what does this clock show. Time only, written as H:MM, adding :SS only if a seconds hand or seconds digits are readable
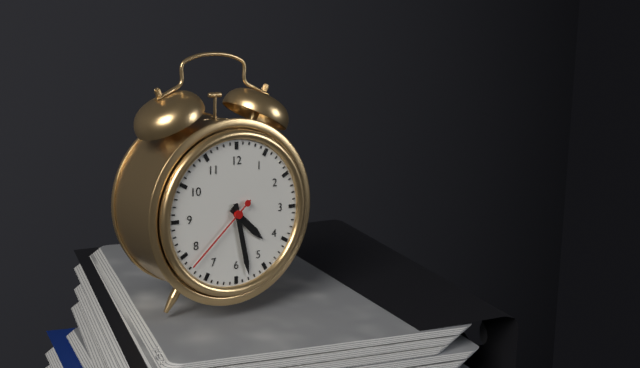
4:28:38
